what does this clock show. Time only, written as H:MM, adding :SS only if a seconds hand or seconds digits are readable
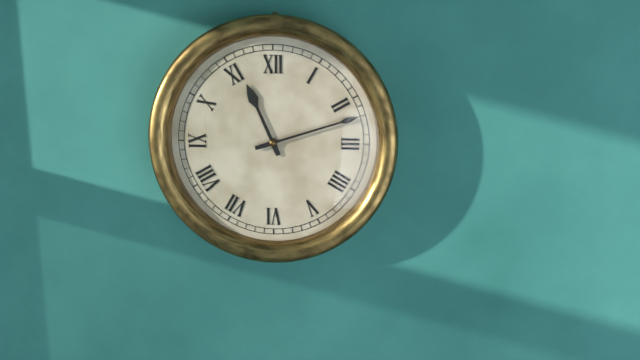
11:12
